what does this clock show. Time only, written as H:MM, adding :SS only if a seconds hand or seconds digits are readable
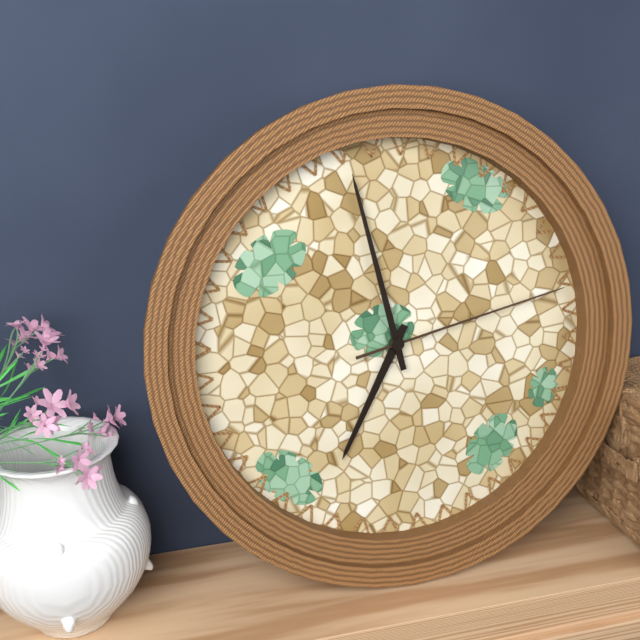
6:58:13
